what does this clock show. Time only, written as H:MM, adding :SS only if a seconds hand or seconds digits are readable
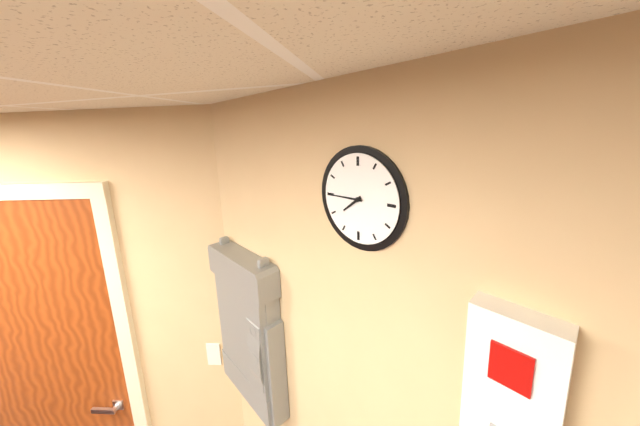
7:45
